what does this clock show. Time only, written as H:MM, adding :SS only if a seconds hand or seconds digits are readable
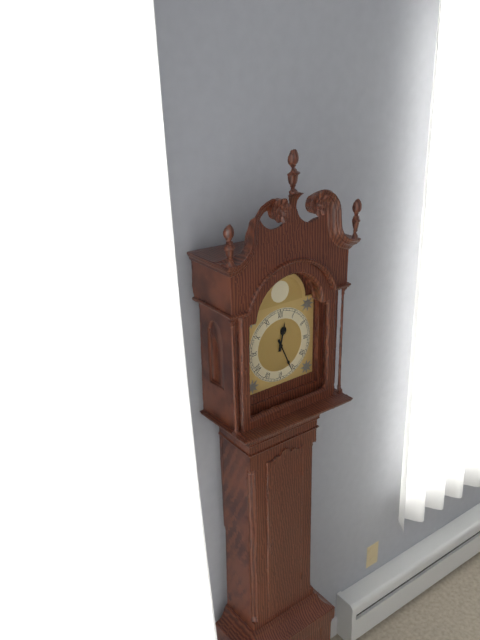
12:26
